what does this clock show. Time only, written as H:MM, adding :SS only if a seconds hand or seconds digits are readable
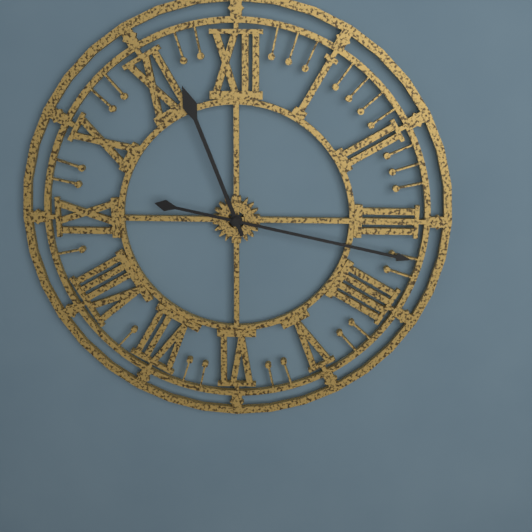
11:17
